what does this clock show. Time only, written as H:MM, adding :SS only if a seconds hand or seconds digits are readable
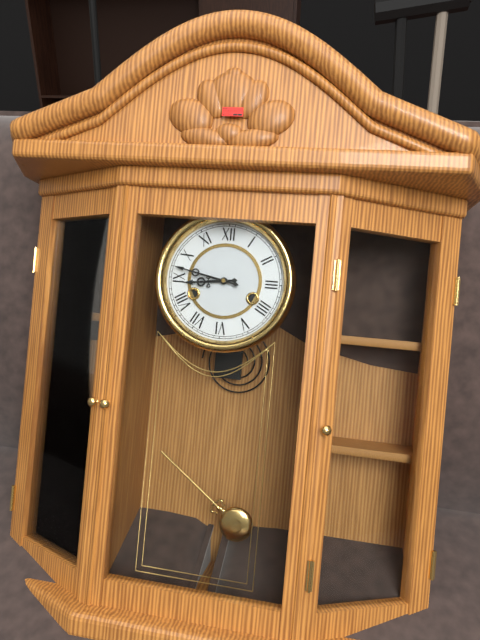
8:47
